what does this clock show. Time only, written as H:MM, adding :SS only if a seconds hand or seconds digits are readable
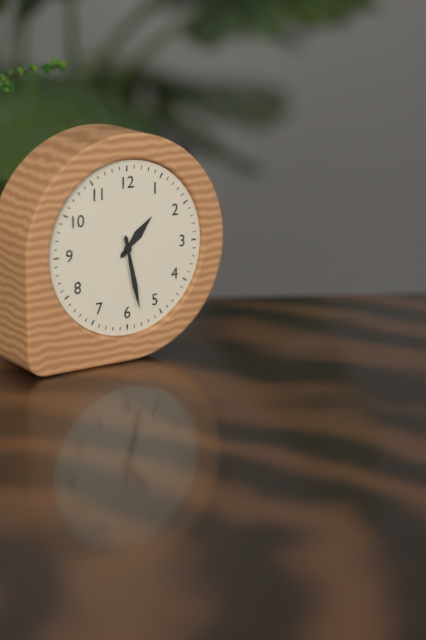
1:28
